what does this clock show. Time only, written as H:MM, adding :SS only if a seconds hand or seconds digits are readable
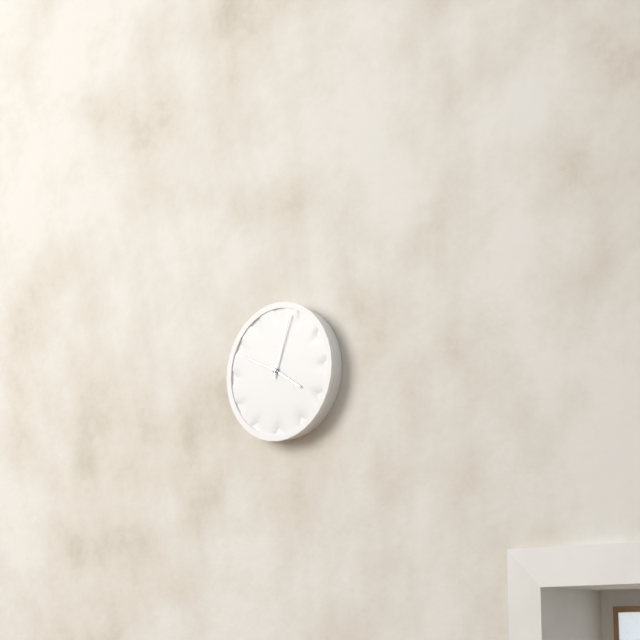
4:03:49
